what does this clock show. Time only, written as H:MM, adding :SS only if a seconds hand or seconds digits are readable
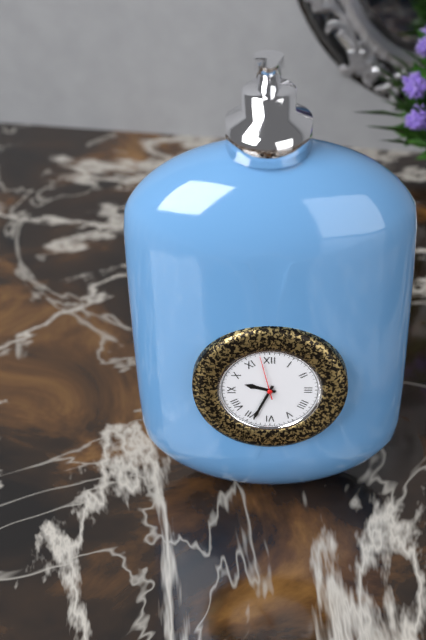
9:34
